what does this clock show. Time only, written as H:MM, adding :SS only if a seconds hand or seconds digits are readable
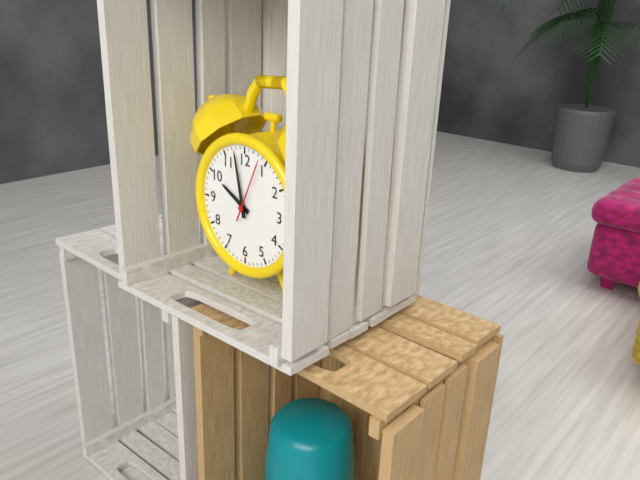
9:58:04
